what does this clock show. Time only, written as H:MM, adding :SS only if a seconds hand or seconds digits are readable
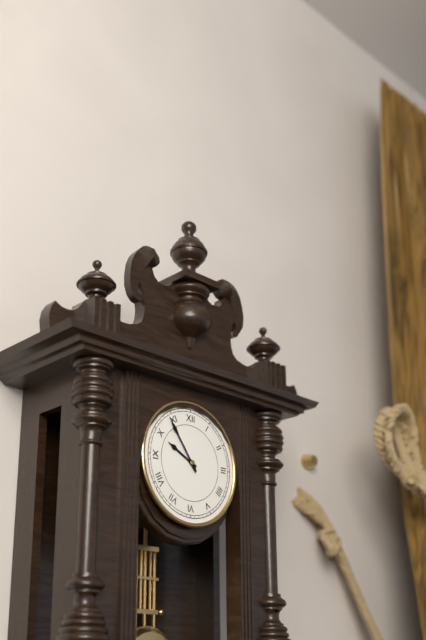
9:54
